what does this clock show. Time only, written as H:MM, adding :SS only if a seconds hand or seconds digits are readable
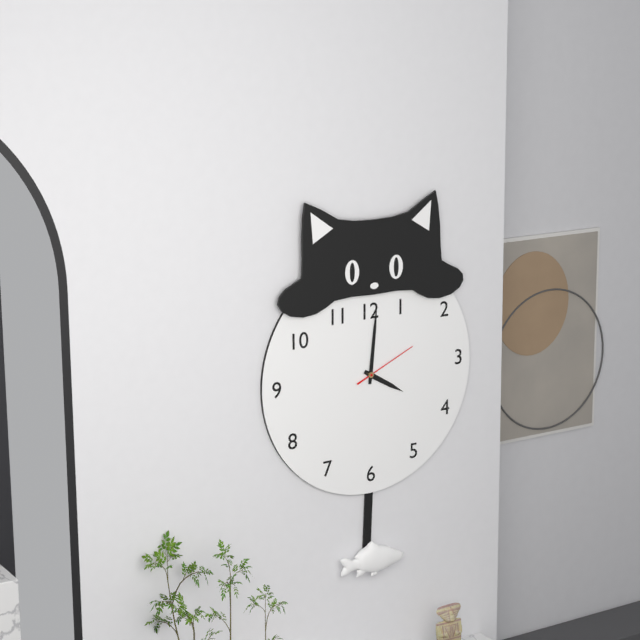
4:01:11
